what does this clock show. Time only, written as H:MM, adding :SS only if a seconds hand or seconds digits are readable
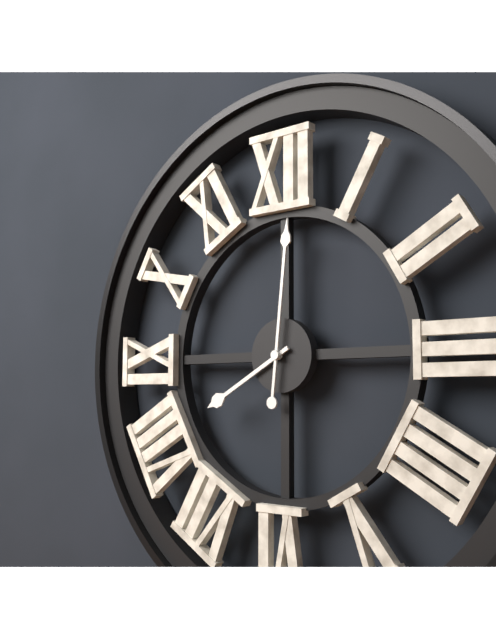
8:01
